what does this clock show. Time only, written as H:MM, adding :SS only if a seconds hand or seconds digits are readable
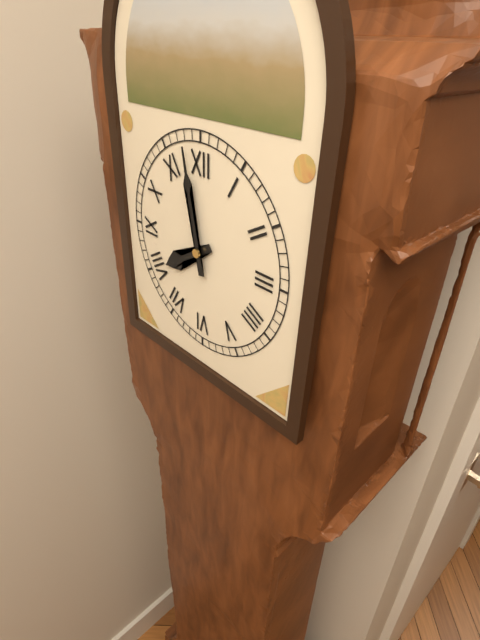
7:58
